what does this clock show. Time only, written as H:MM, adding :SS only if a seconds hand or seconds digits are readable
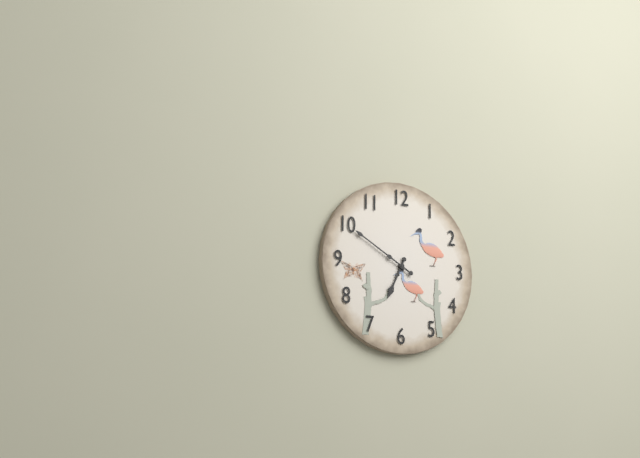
6:50
